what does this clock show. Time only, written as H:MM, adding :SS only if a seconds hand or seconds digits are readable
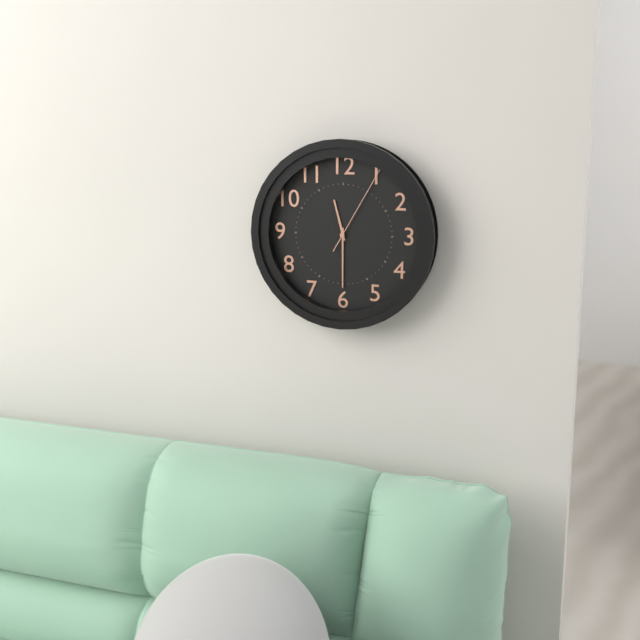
11:30:05
